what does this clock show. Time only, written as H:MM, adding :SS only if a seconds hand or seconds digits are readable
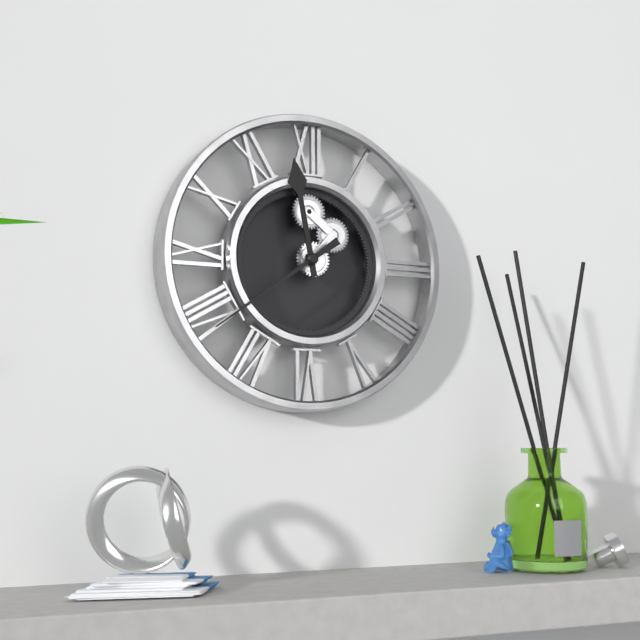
11:39
